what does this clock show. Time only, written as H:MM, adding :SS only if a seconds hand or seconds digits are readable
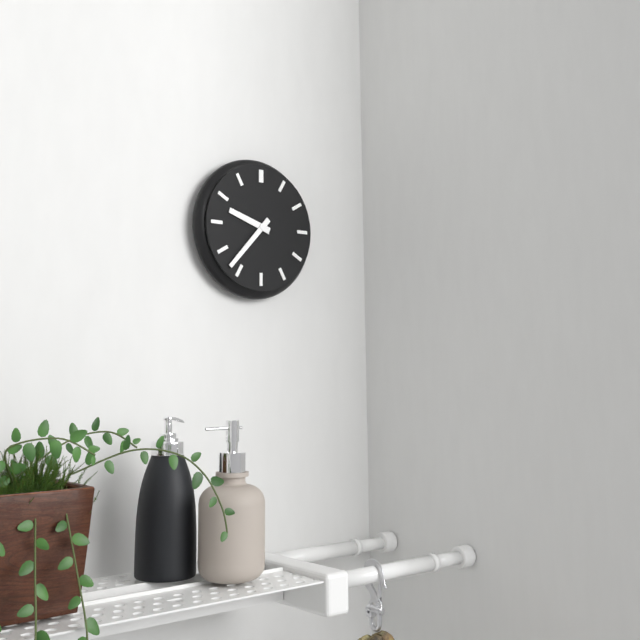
9:37
